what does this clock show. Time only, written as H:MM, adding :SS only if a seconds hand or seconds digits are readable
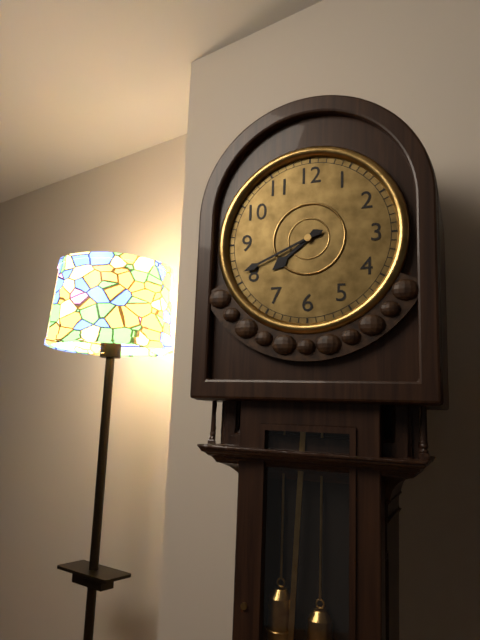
7:41
